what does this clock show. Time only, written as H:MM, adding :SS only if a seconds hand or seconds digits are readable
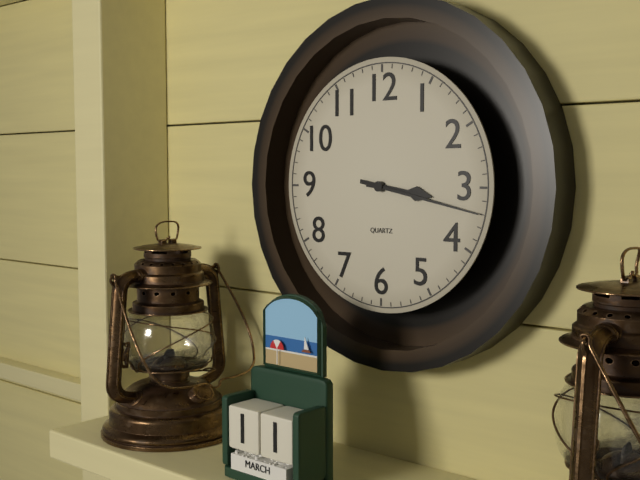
3:17
